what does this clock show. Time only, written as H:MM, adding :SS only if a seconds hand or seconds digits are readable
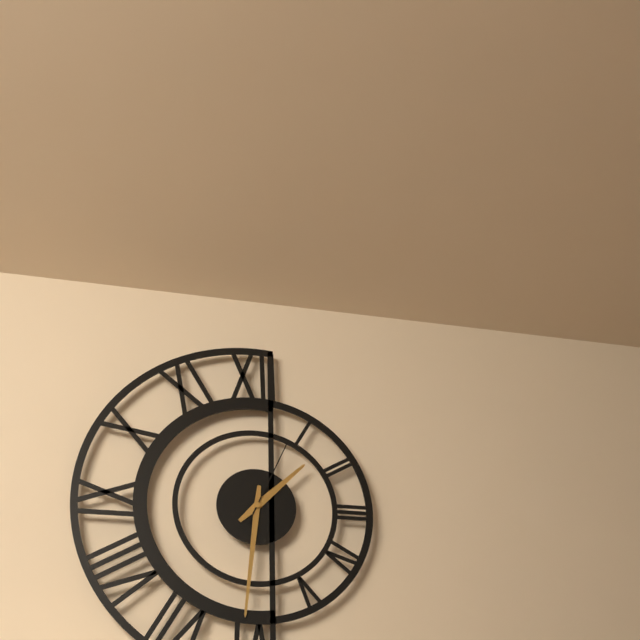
1:31:04
